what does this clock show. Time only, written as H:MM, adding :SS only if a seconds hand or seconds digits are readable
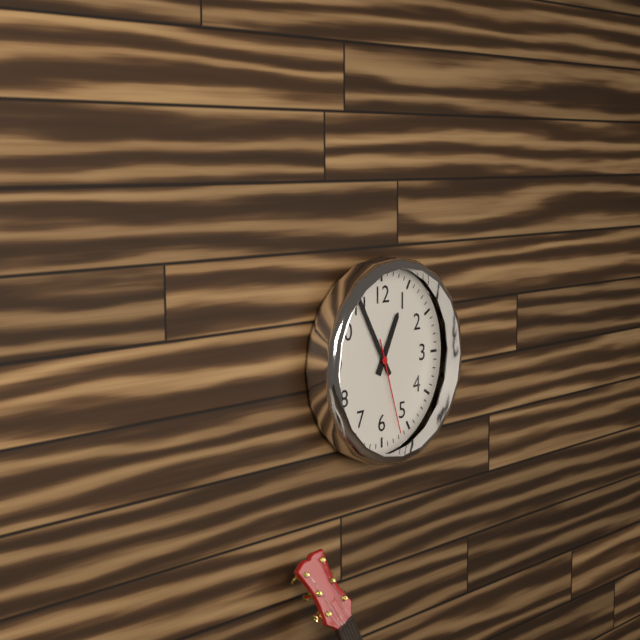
12:55:27
